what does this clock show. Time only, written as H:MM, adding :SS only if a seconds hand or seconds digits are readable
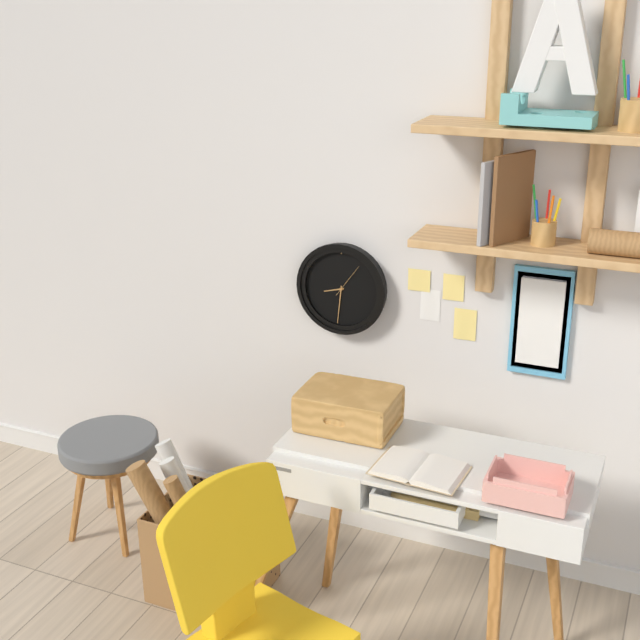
8:31
